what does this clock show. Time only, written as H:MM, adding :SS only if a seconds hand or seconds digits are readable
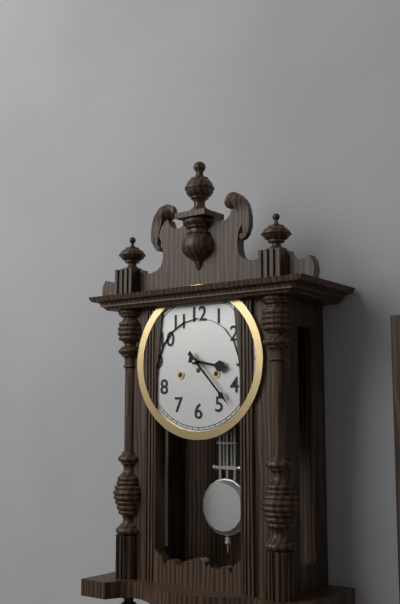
3:23
